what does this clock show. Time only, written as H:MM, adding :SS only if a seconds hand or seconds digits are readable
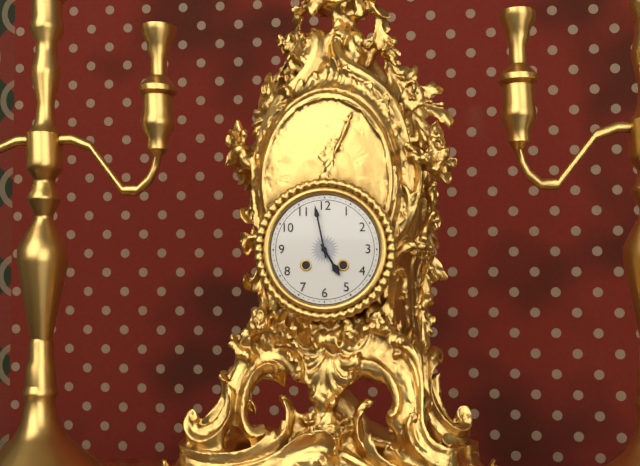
4:58
